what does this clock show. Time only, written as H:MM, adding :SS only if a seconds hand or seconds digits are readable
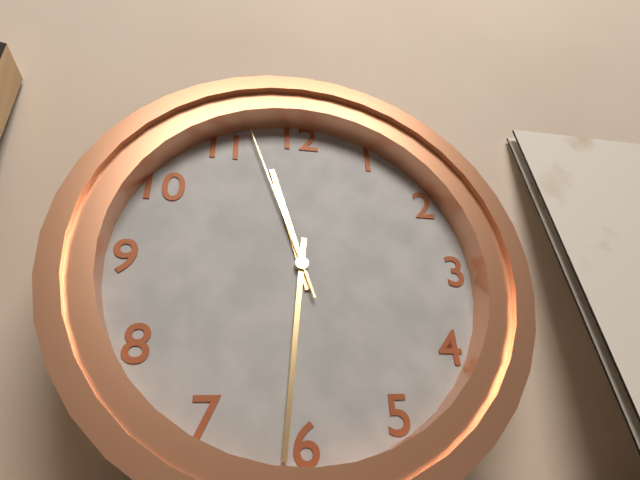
11:31:57
